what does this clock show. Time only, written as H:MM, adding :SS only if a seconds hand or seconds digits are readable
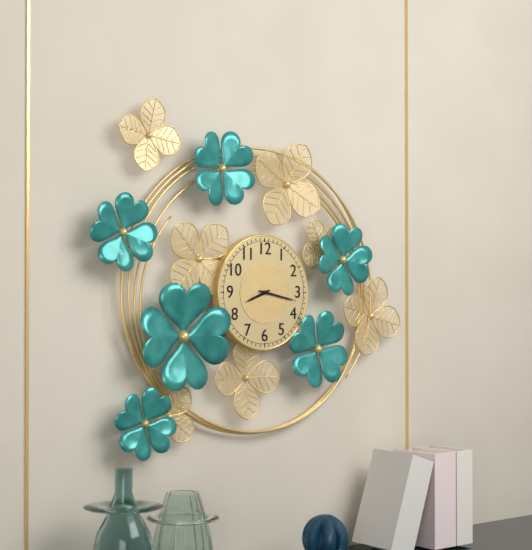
8:17
